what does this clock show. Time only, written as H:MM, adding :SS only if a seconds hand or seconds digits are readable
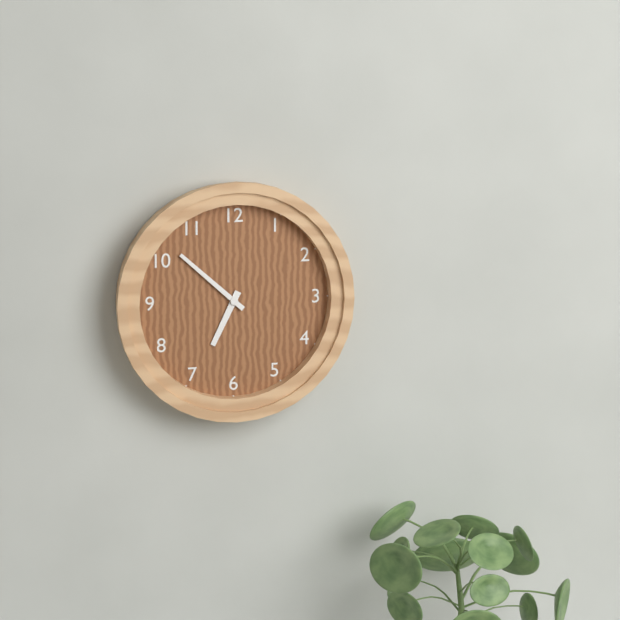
6:52
